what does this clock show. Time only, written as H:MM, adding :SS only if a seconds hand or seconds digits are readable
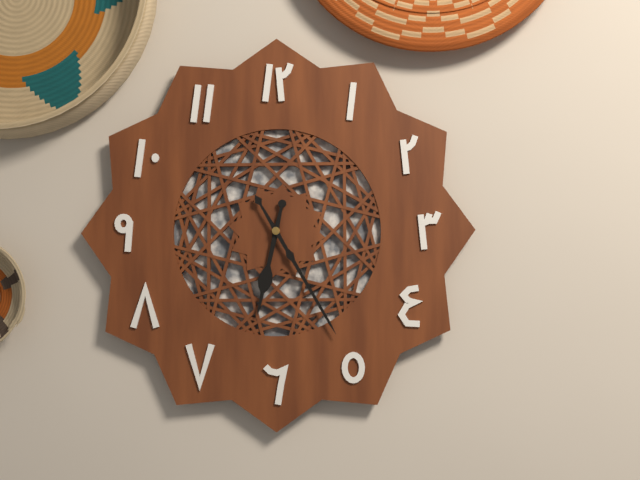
6:25
